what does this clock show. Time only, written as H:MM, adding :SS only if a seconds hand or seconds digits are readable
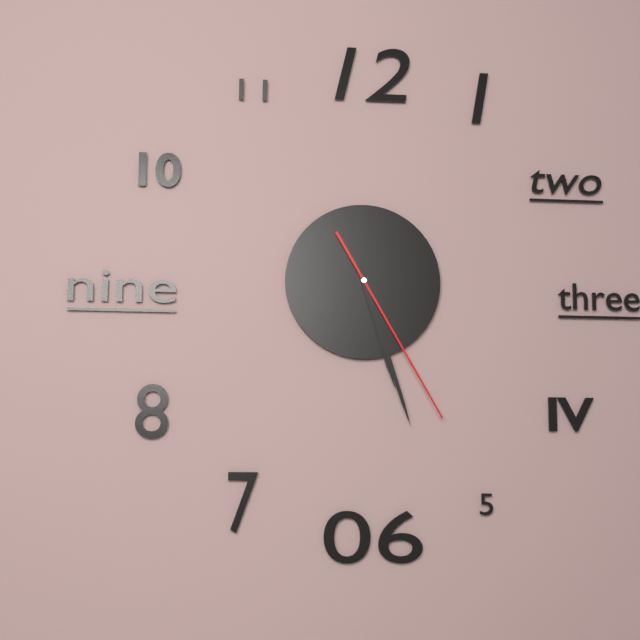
5:27:25
